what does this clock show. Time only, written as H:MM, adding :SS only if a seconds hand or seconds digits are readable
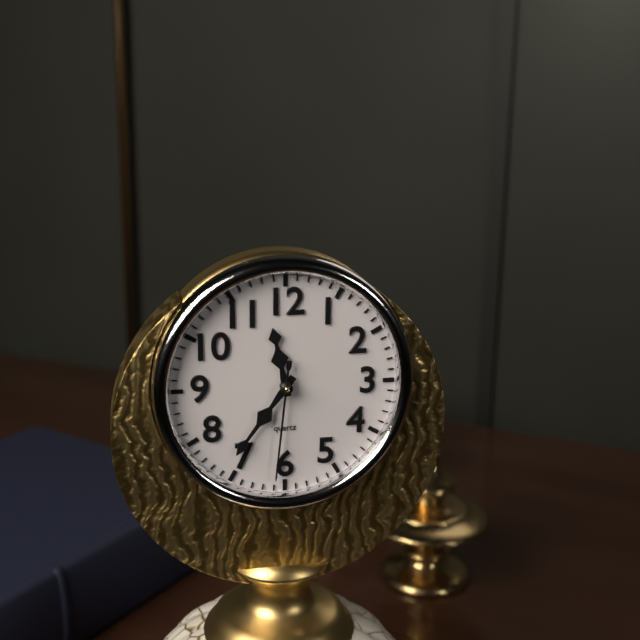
11:36:31
